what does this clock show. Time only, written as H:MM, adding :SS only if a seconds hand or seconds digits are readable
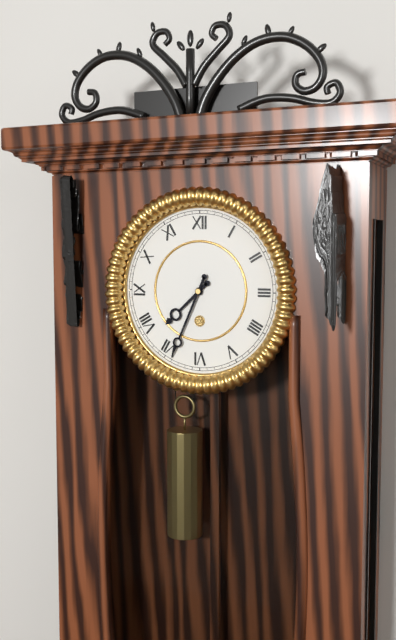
7:34
